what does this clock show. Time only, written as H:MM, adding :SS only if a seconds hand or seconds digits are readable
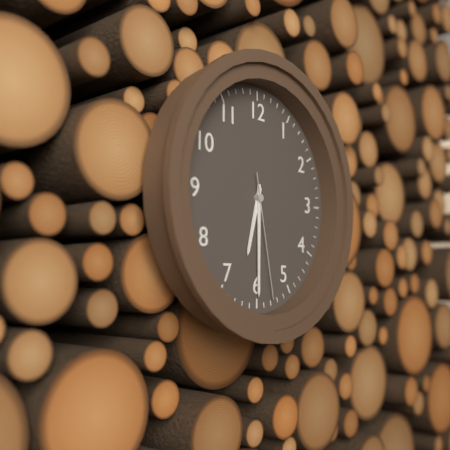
6:30:28
